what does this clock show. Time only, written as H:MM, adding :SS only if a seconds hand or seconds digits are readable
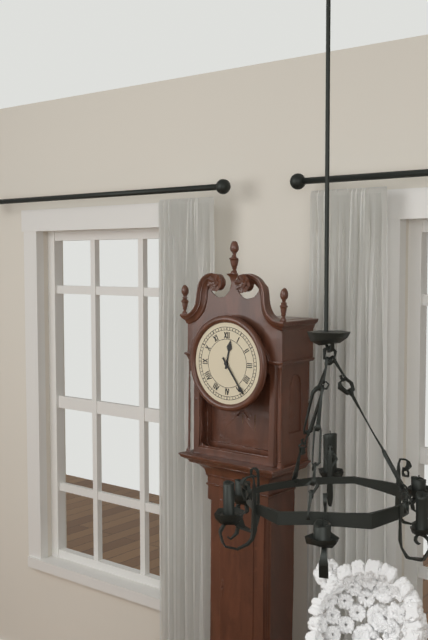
12:24
